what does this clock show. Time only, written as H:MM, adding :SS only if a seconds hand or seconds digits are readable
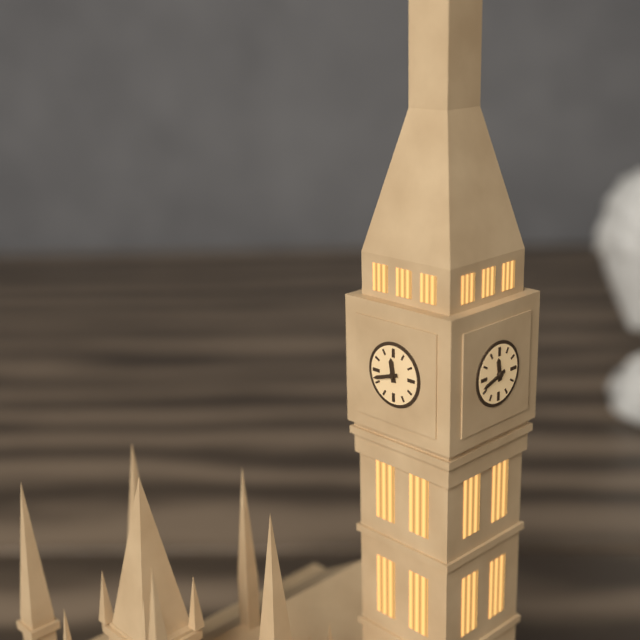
11:42
